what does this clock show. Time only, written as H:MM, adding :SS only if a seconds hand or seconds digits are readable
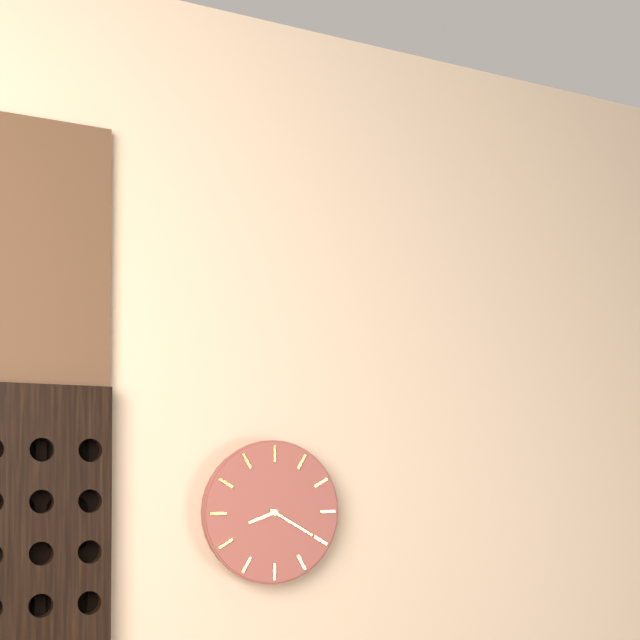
8:20
